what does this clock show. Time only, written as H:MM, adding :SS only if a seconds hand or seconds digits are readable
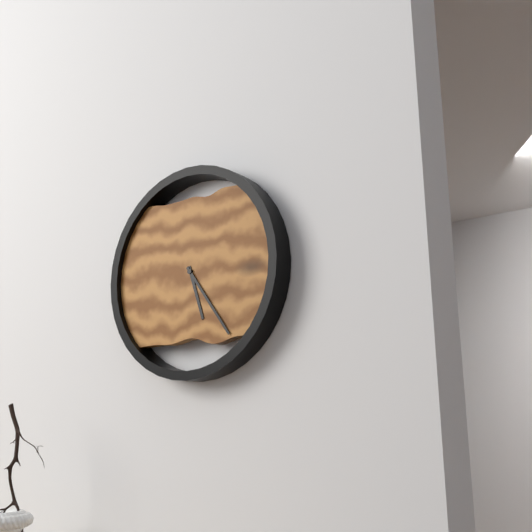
5:24
